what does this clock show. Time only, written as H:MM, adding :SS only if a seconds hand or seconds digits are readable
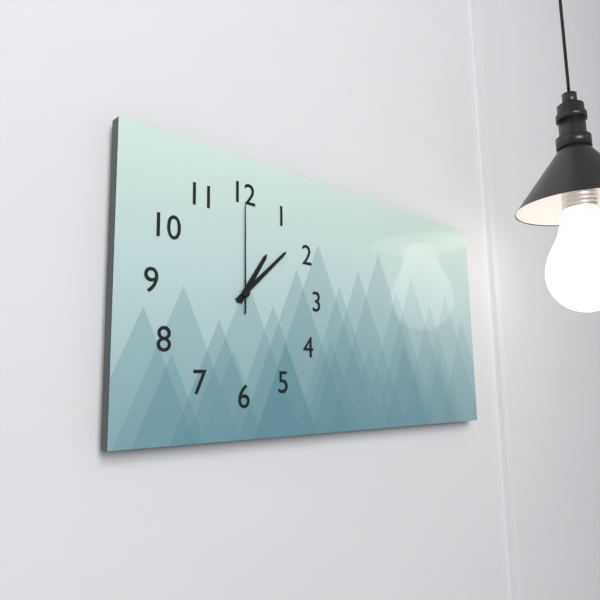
1:08:00
